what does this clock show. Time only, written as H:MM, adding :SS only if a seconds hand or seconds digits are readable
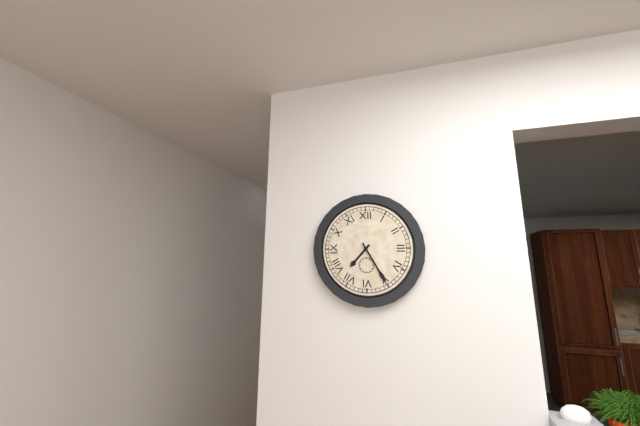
7:25
